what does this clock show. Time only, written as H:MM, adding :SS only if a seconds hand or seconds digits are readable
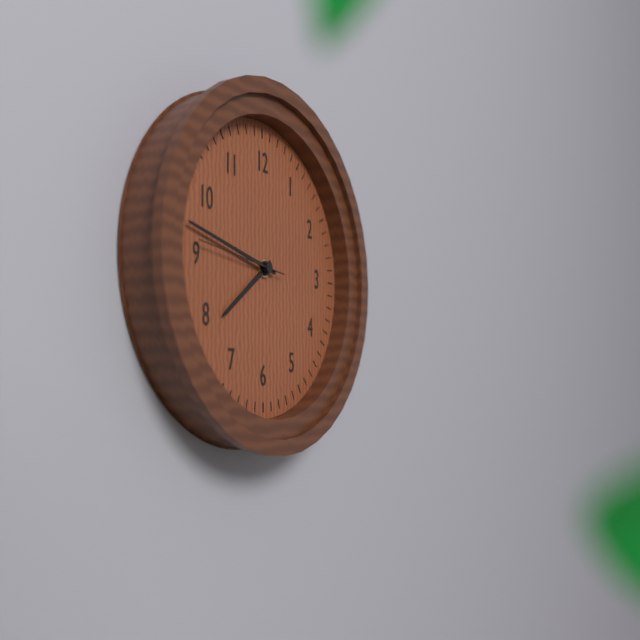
7:47:46
